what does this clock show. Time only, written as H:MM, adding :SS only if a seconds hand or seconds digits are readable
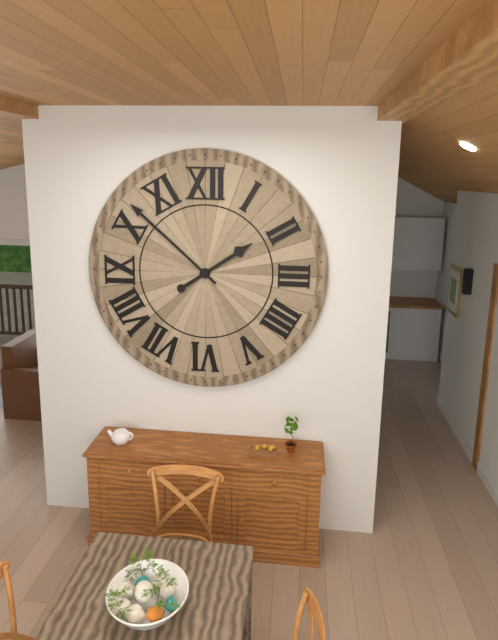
1:52
